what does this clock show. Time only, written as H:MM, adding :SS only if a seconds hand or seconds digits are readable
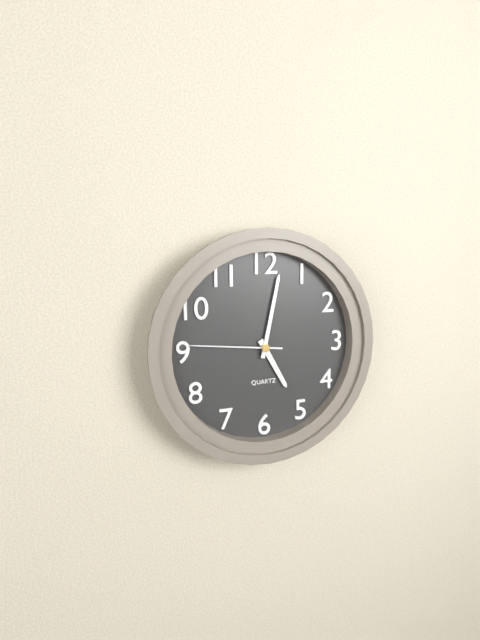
5:02:46
